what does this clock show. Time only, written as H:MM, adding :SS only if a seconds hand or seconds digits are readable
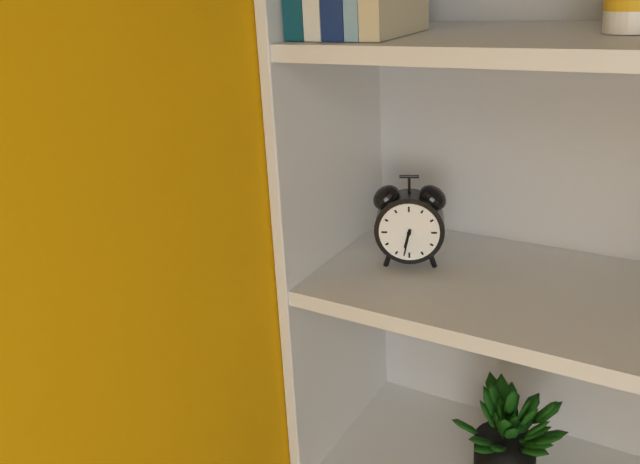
6:32
